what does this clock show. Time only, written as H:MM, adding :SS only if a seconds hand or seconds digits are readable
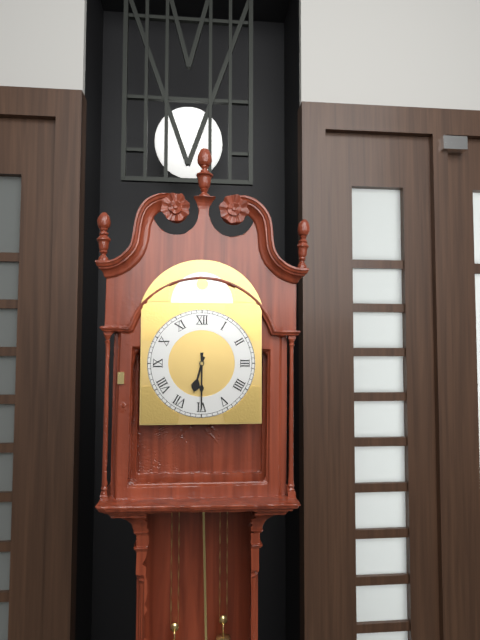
6:30
